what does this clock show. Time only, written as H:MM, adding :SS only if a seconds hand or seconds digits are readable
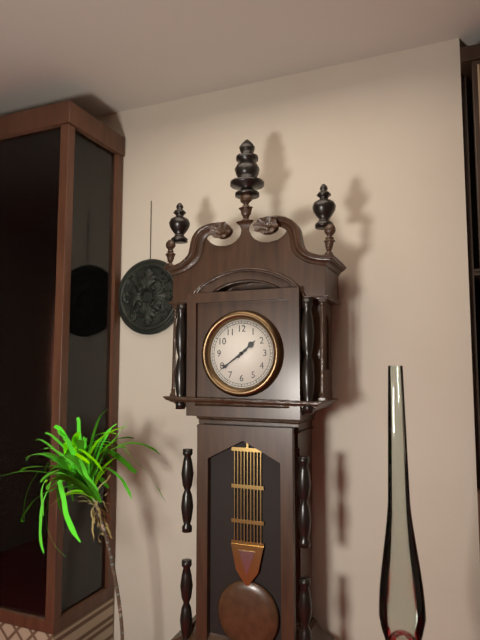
1:39
